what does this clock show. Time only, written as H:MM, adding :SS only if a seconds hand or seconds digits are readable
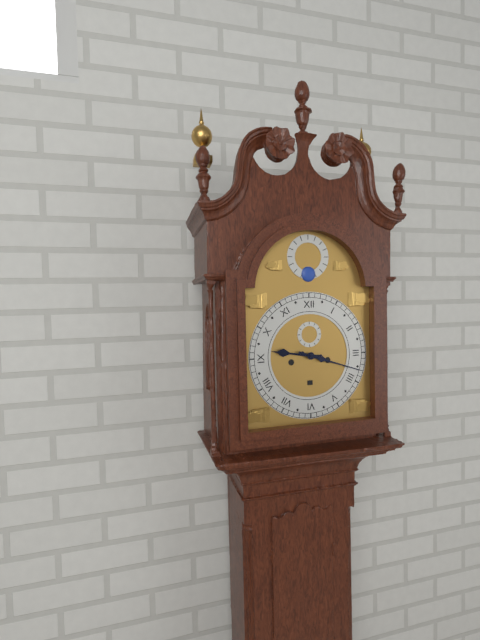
9:18
